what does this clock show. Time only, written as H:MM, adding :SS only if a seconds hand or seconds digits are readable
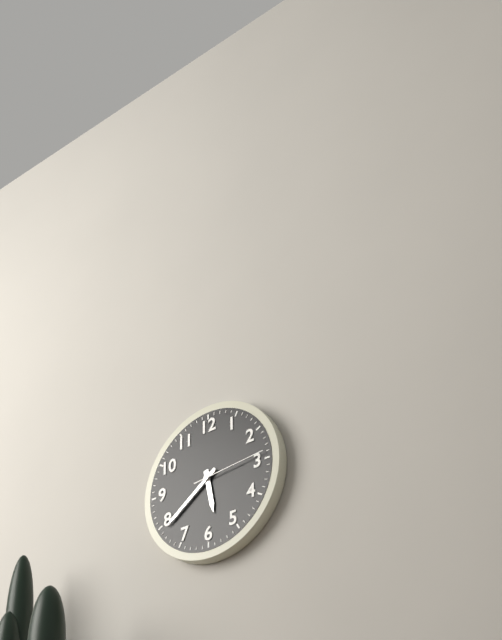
5:39:14
